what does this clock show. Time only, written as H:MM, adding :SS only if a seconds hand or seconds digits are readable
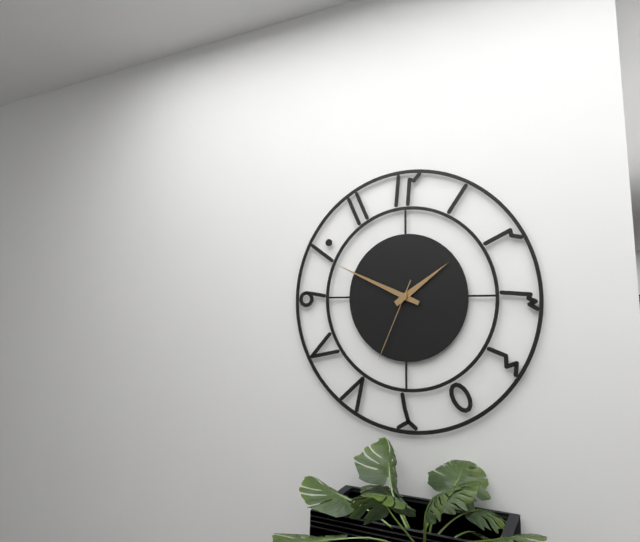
1:49:34
